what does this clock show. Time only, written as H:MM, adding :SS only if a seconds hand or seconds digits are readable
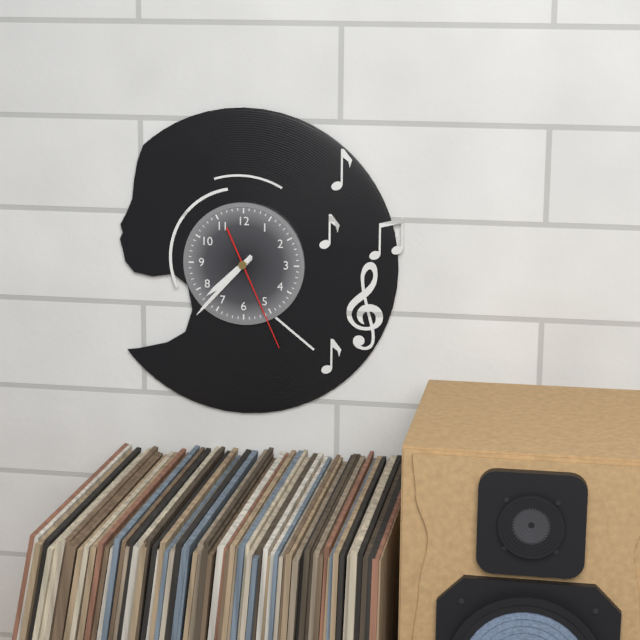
7:37:26
